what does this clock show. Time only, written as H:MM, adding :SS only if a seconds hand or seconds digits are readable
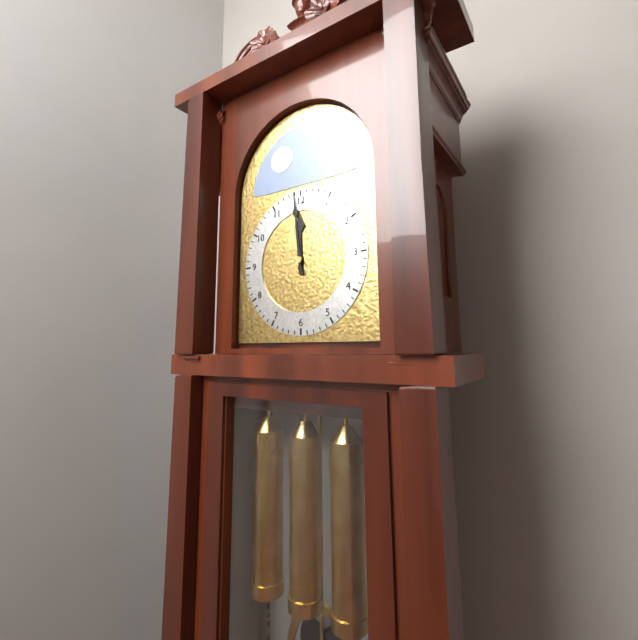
11:59
